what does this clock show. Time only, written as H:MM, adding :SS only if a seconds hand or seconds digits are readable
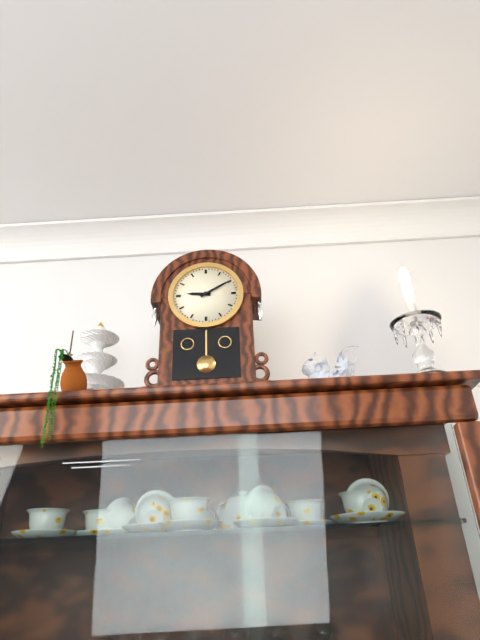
9:10
